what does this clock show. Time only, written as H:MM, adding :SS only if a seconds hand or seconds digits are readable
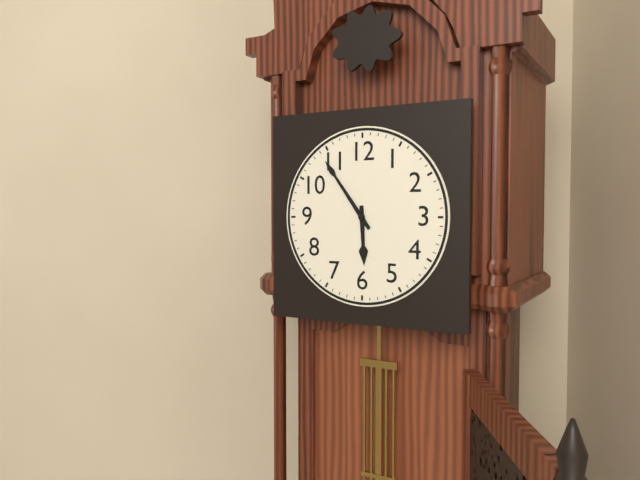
5:54
